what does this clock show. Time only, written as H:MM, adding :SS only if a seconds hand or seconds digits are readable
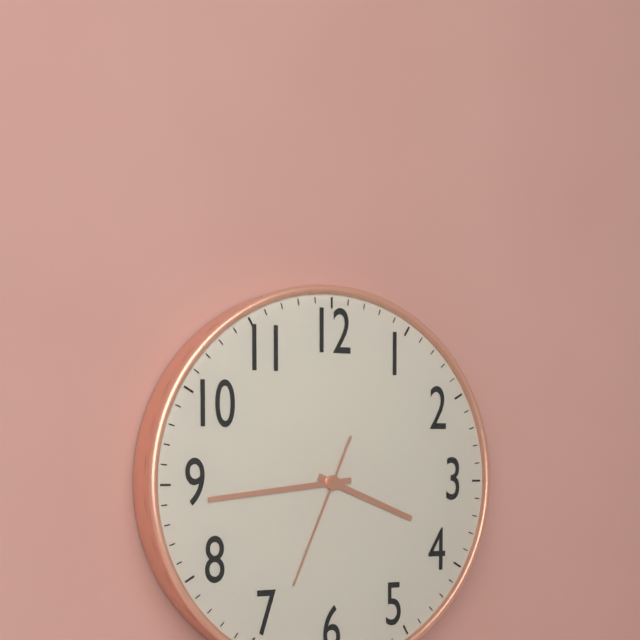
3:44:34
